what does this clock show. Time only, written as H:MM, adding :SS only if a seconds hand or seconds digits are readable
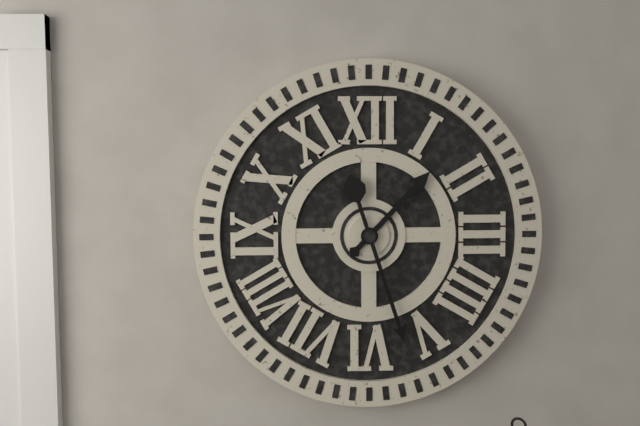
1:27
